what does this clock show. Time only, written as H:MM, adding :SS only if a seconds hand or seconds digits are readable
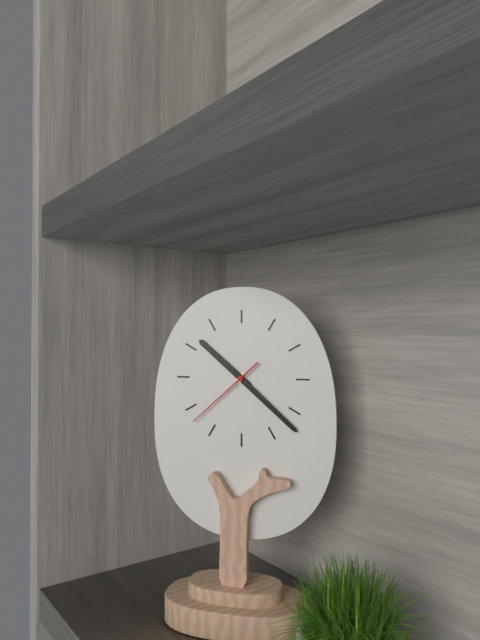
10:22:38
